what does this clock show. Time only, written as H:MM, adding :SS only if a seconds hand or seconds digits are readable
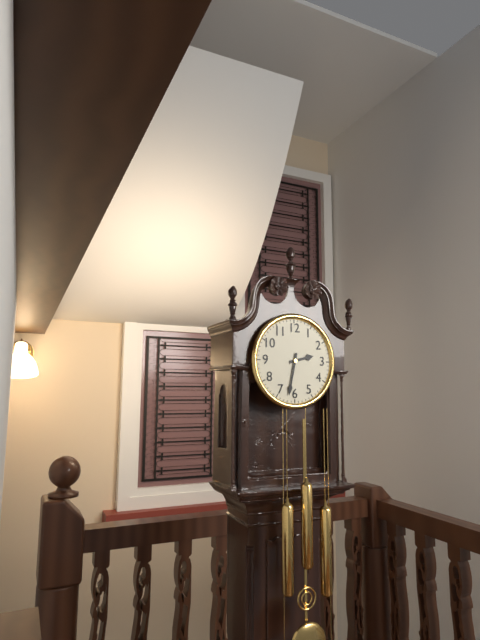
2:32
